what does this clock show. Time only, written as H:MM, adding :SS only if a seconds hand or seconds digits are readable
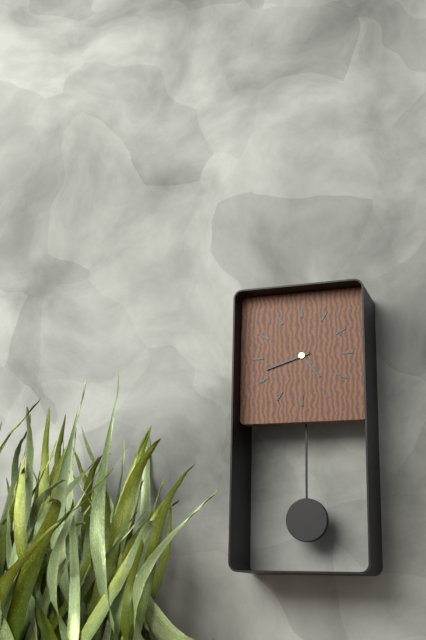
4:42
